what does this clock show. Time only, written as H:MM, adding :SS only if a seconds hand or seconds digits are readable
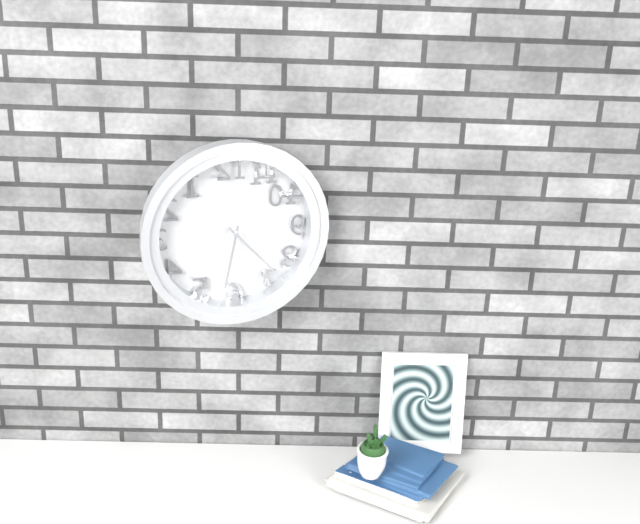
6:23
